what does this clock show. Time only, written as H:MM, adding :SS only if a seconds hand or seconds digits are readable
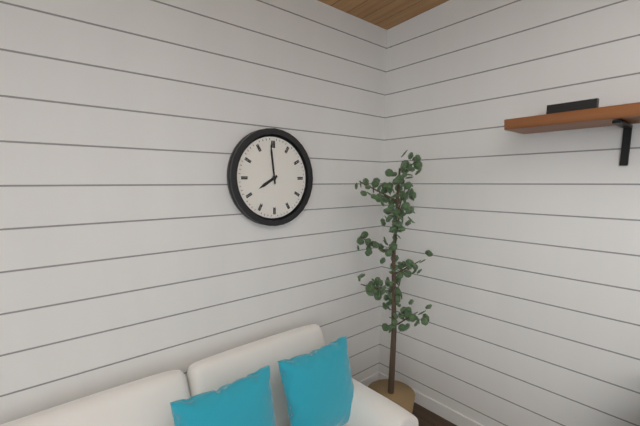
7:59
